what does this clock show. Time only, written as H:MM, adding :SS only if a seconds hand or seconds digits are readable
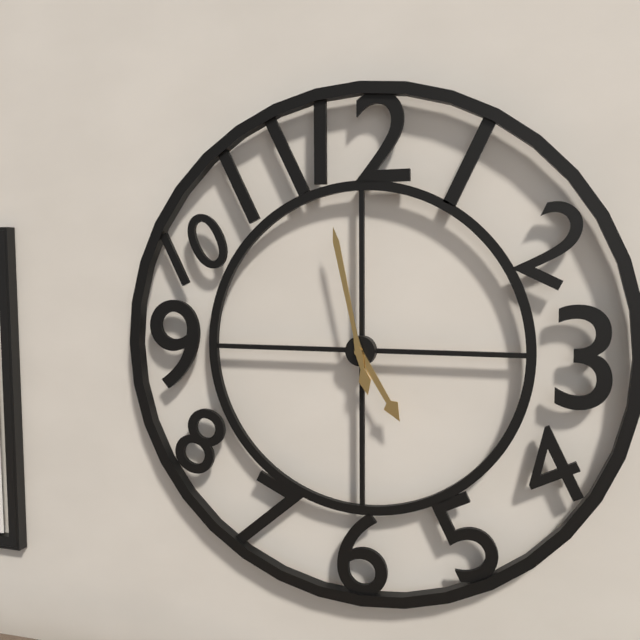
4:58
